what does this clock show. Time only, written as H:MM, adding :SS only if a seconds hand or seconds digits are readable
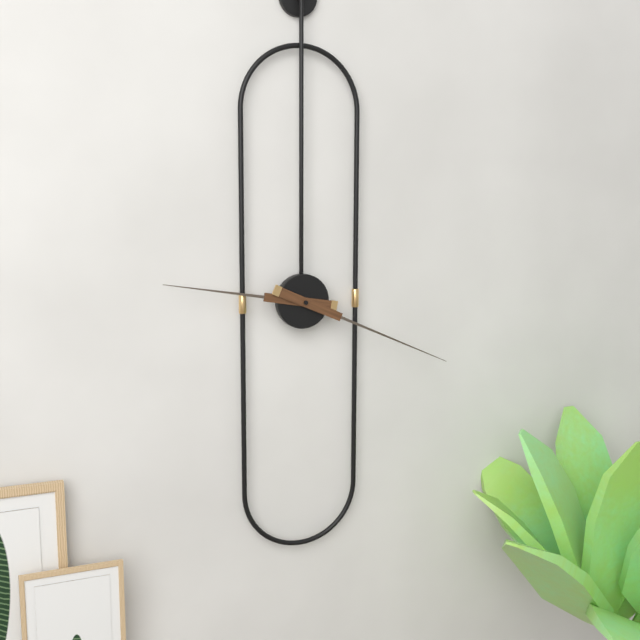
9:19
